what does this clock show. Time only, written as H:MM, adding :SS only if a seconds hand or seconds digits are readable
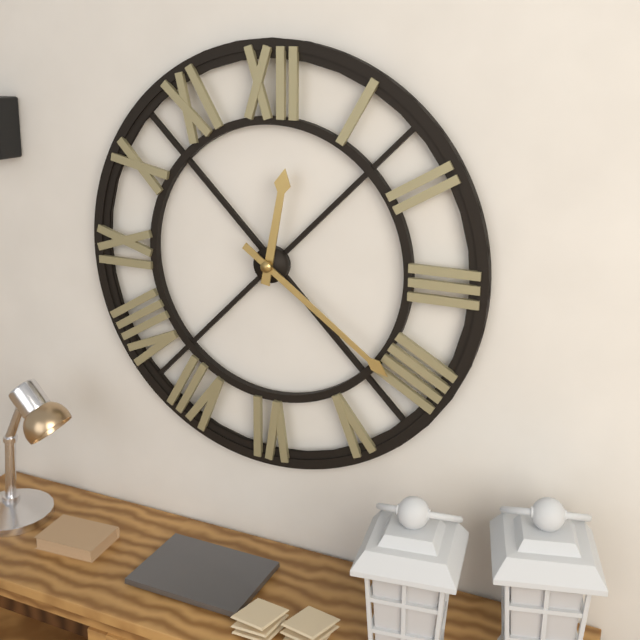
12:21
